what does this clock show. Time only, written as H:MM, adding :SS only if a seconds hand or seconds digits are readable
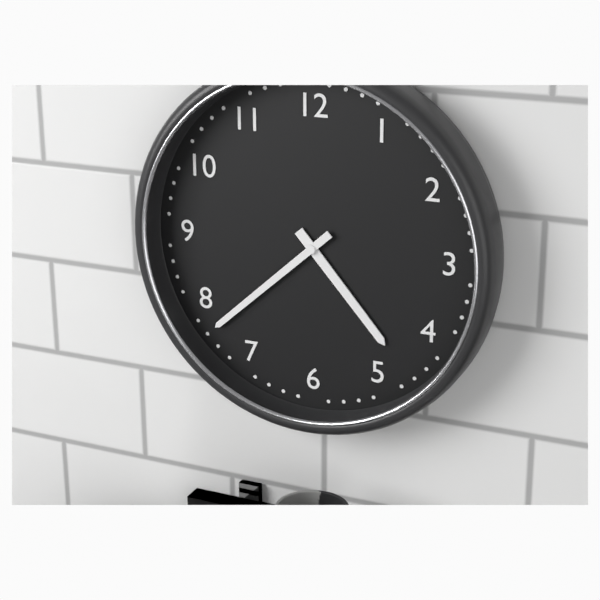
4:38
